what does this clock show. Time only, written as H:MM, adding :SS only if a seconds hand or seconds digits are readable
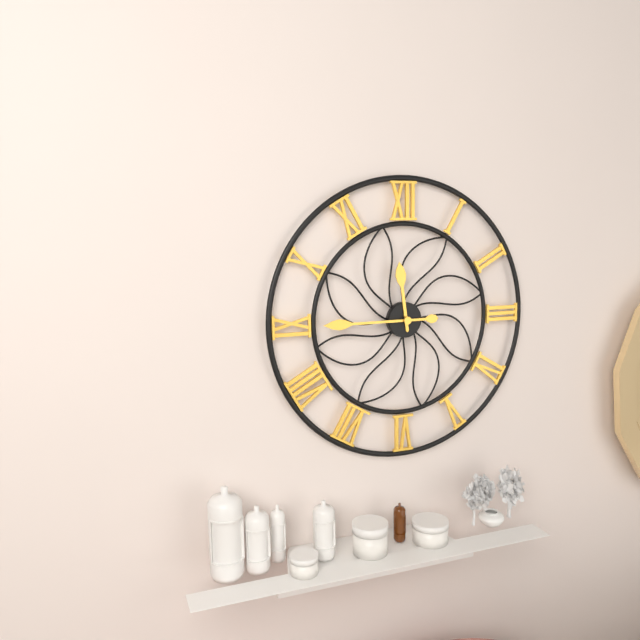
11:45
